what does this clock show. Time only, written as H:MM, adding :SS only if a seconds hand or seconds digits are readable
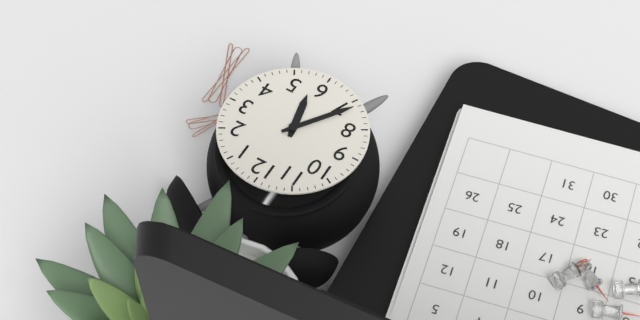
5:36
